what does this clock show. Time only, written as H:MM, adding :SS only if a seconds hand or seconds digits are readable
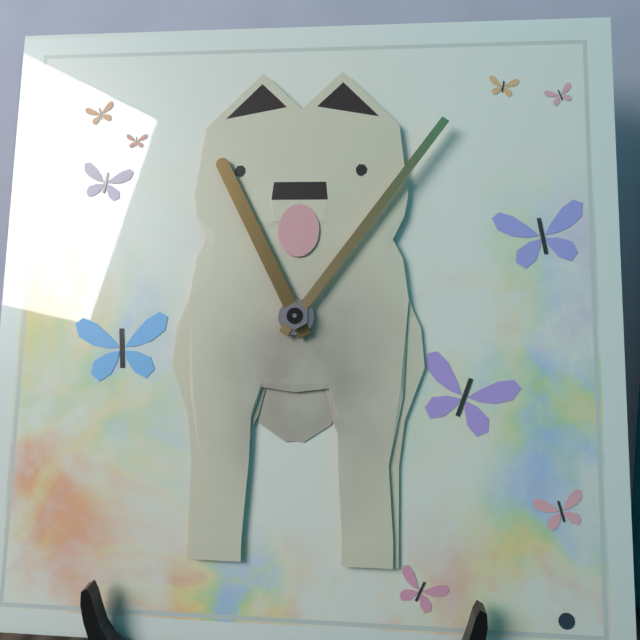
11:06
